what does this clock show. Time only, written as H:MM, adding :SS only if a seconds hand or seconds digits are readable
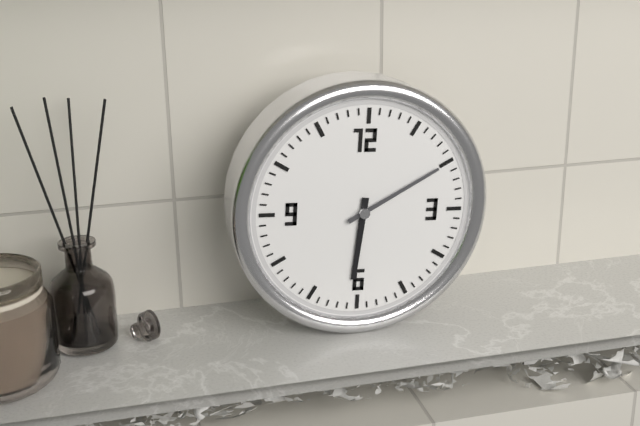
6:10
